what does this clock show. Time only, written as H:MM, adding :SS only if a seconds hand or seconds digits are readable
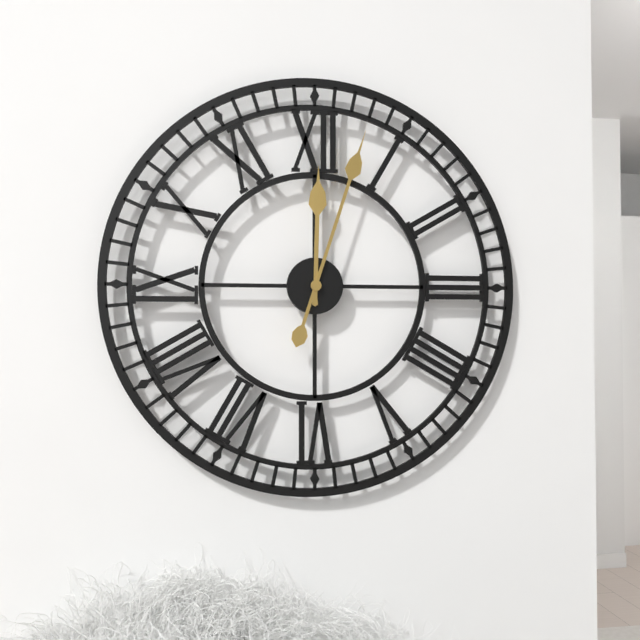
12:03
